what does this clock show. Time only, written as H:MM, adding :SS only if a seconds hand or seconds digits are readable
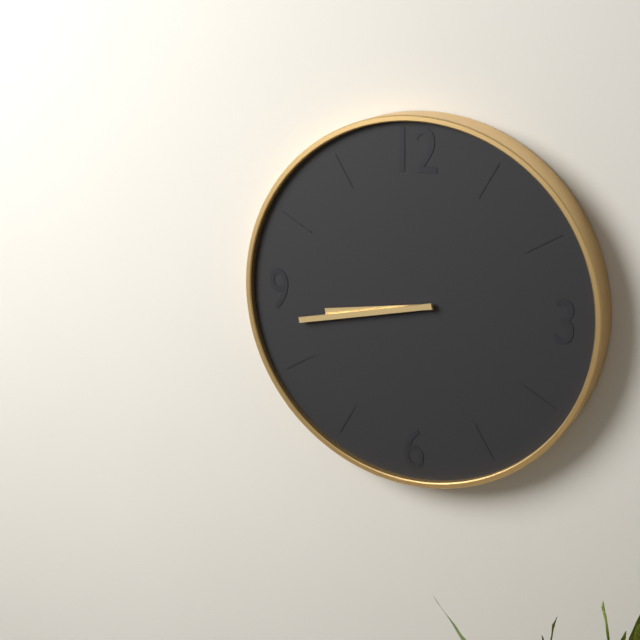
8:43
